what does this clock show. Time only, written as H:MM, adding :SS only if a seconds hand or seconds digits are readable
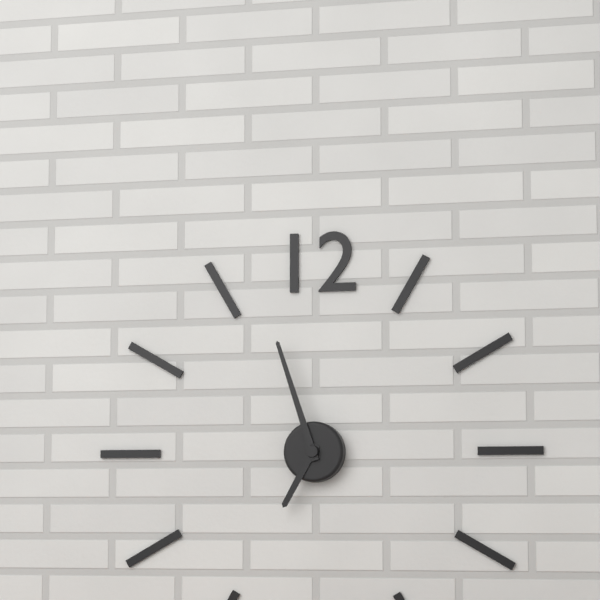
6:57
